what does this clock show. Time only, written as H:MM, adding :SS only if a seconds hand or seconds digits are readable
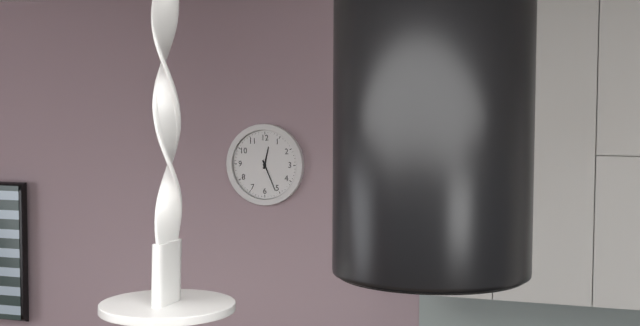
12:26
